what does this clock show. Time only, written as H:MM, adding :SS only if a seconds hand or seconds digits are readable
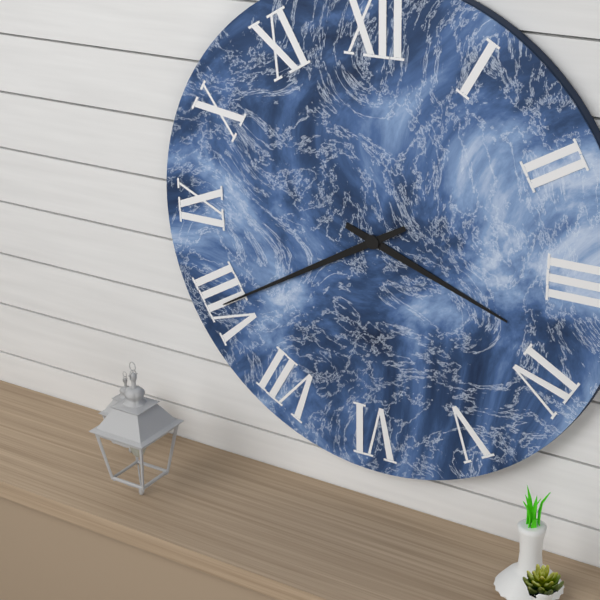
3:40
